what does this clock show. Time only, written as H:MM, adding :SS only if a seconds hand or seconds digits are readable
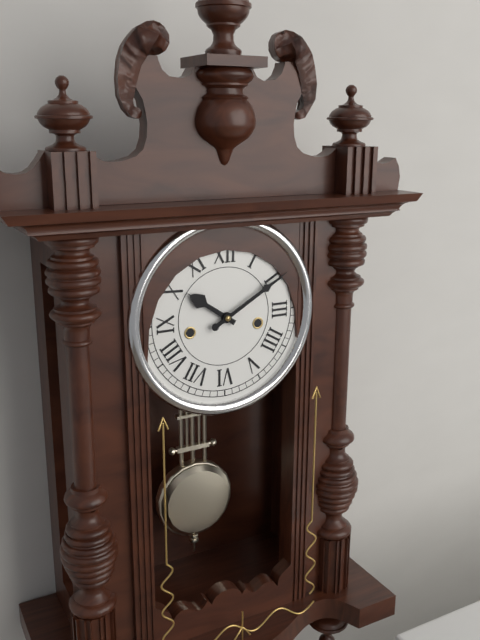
10:10
